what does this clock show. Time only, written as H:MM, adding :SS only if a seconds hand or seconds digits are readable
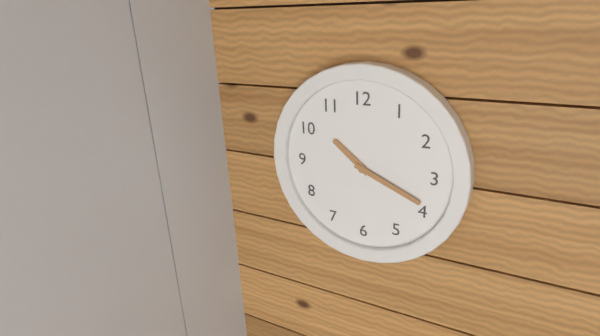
10:19
